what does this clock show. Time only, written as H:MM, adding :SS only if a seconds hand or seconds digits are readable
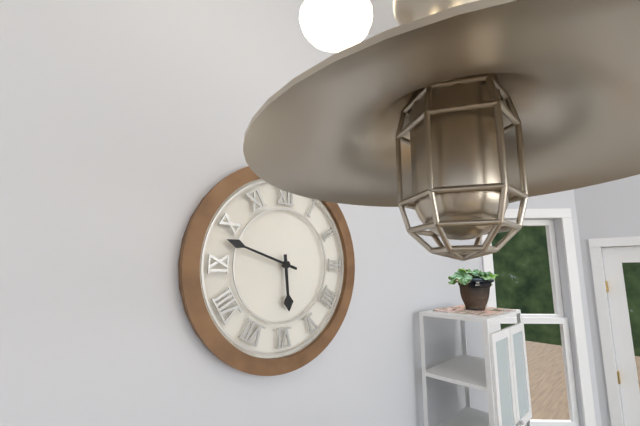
5:48
